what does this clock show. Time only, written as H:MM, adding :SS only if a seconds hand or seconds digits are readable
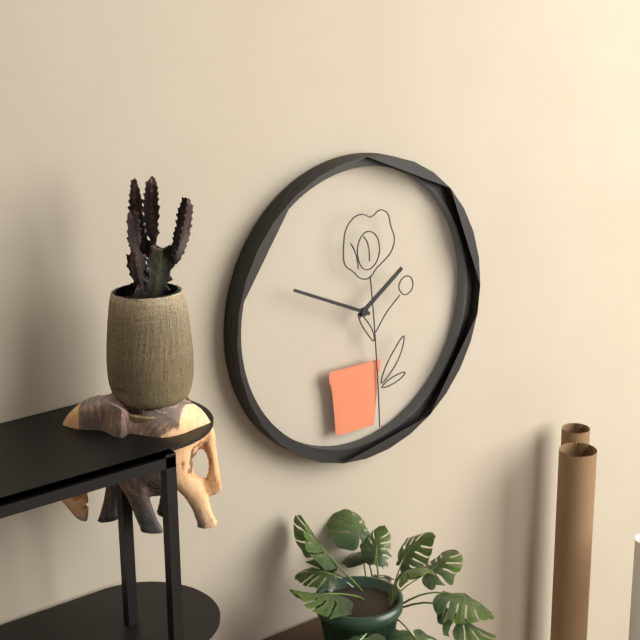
1:49
